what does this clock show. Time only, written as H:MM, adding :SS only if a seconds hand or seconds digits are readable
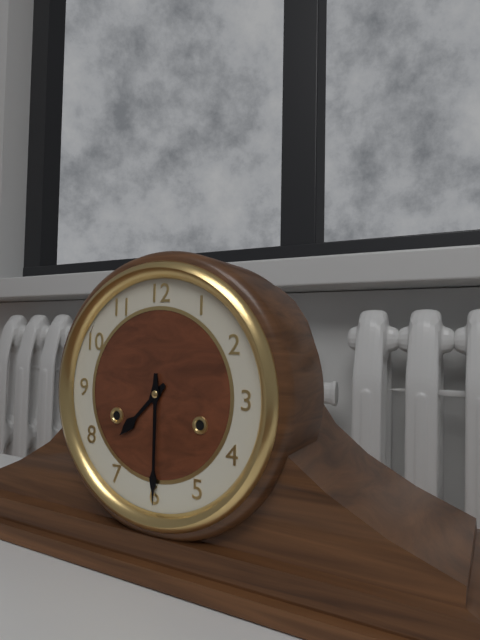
7:30
